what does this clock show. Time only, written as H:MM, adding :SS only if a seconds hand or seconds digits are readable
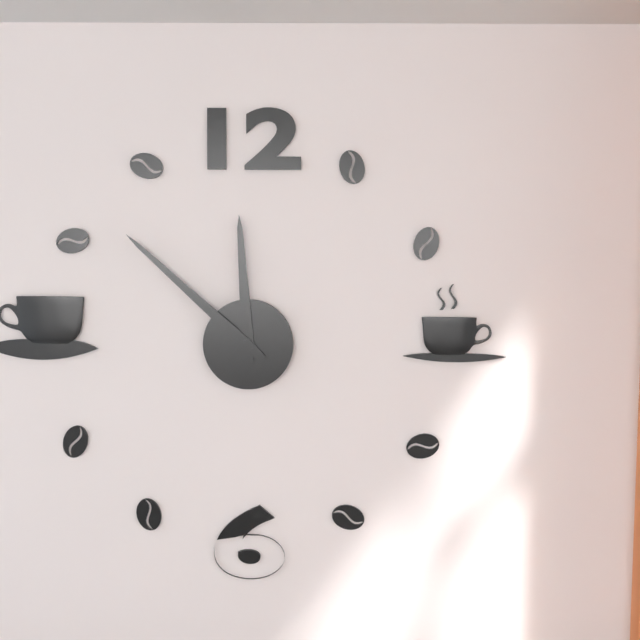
11:52
